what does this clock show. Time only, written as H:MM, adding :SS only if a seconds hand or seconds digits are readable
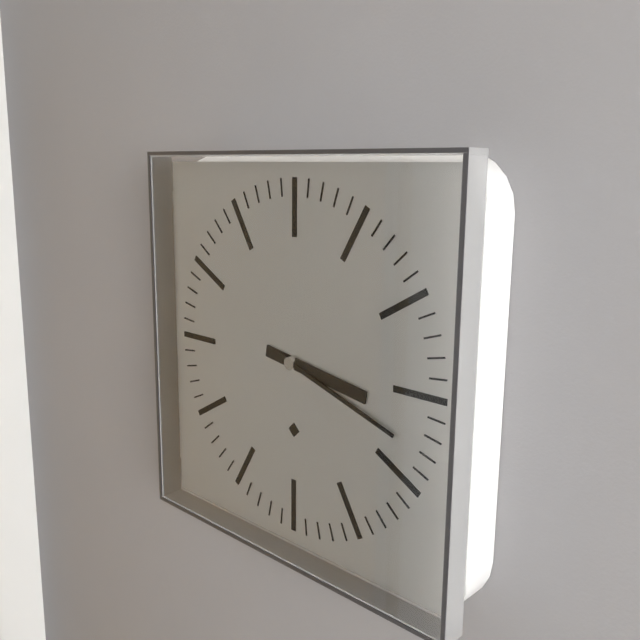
3:18
